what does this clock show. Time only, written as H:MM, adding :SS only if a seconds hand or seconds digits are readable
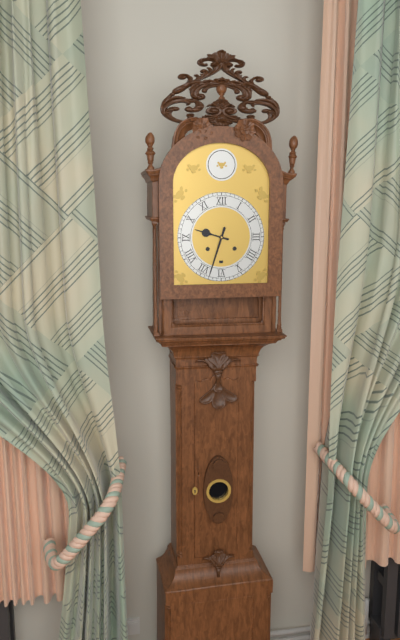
9:33
